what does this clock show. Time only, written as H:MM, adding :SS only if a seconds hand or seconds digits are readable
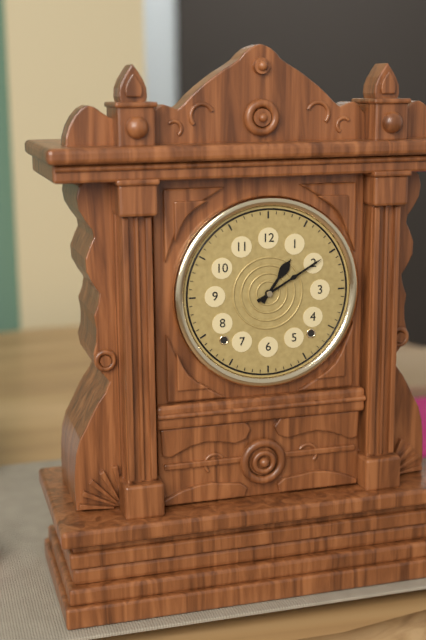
1:10
